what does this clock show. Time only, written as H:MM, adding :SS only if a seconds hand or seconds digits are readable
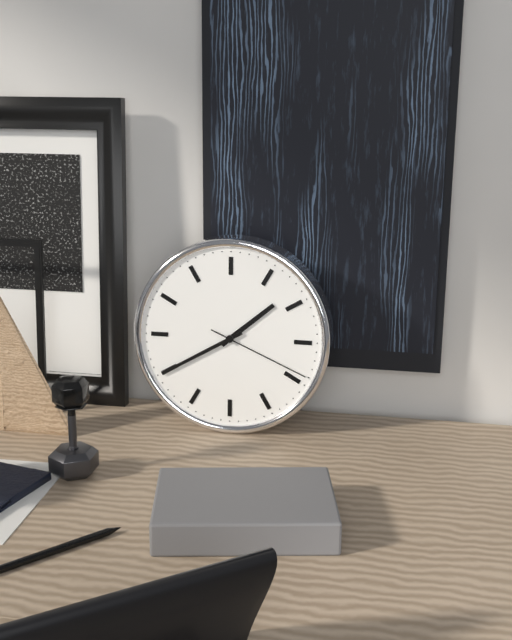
1:40:19
